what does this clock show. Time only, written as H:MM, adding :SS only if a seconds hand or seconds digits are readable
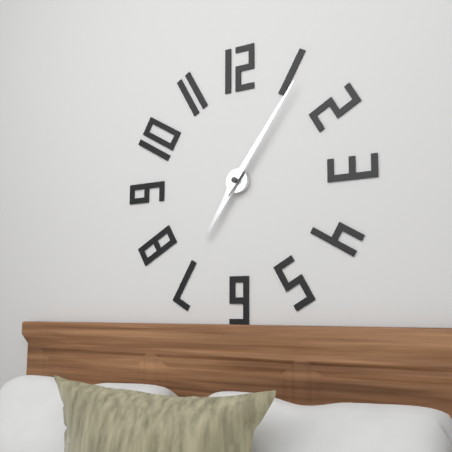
7:06
